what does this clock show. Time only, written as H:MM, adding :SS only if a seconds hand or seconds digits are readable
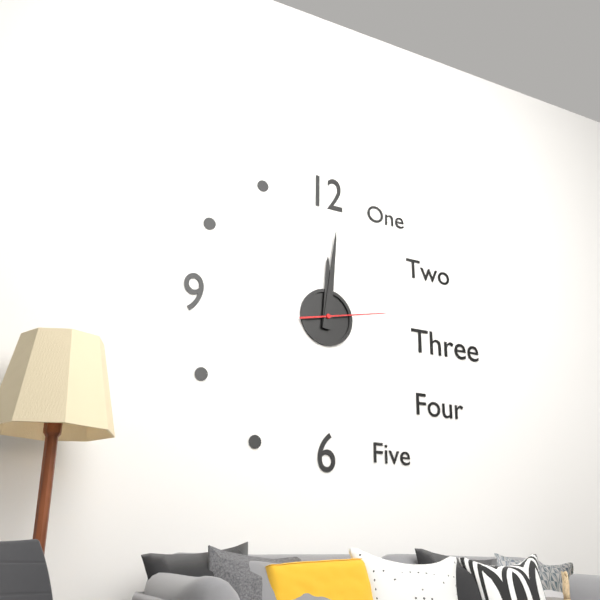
12:01:13
